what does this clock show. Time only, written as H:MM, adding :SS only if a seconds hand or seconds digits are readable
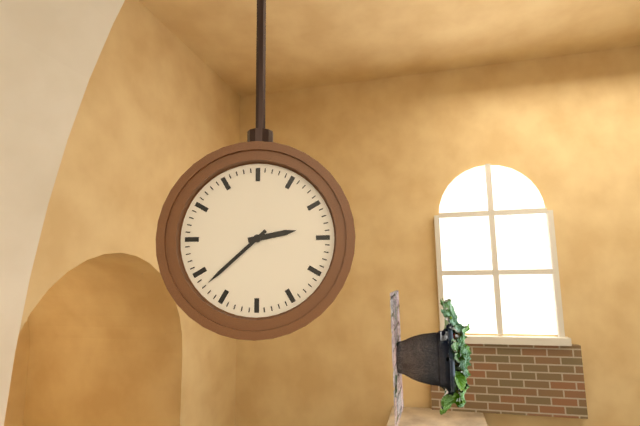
2:38
